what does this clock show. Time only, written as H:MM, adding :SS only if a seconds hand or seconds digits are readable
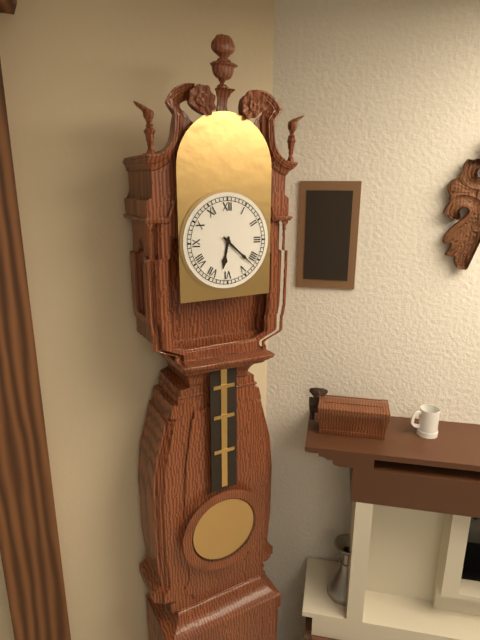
6:22
